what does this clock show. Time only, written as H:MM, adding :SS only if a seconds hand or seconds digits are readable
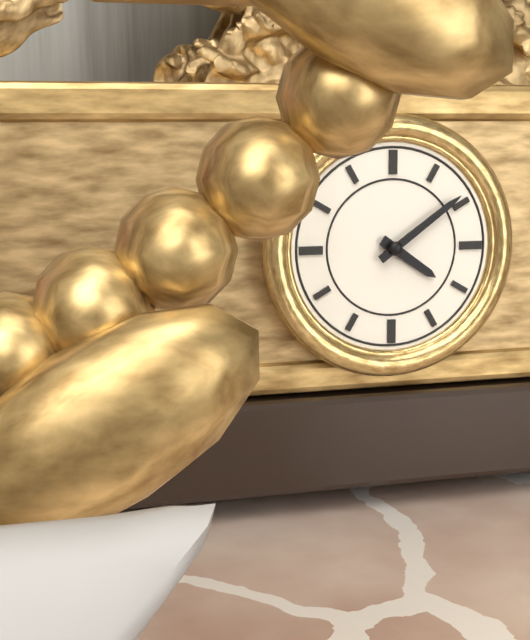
4:09
